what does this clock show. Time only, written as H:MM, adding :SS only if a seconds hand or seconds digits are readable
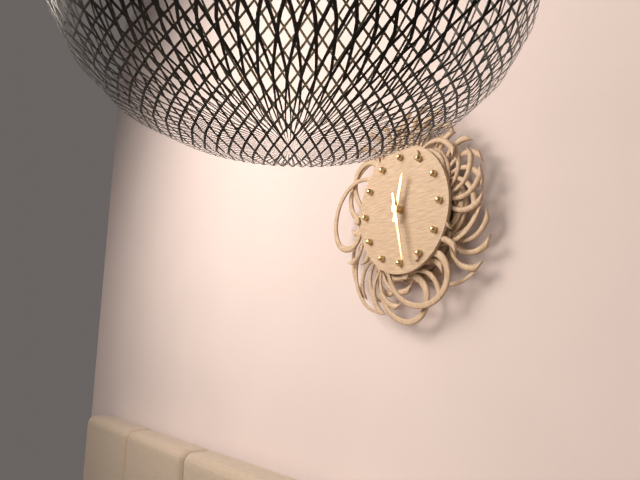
12:28
